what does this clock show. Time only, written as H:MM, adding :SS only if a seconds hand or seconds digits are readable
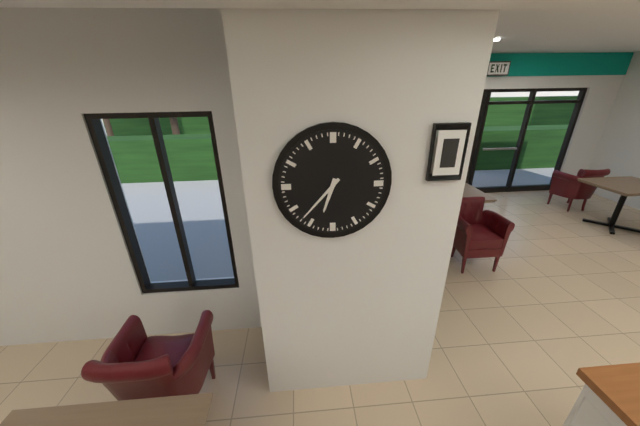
6:37
